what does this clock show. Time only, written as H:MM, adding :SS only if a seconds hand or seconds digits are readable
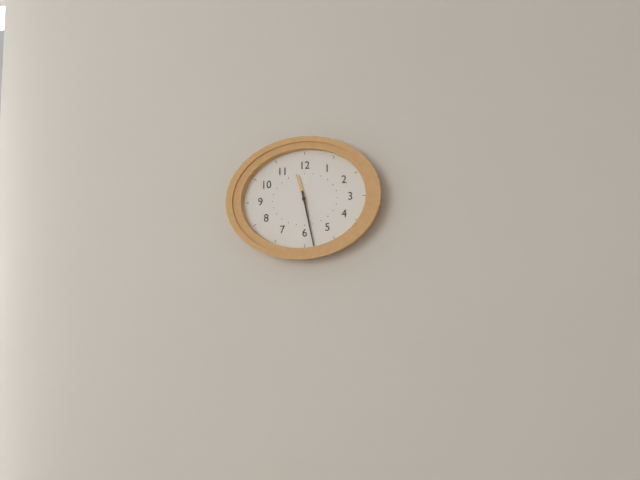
11:28
